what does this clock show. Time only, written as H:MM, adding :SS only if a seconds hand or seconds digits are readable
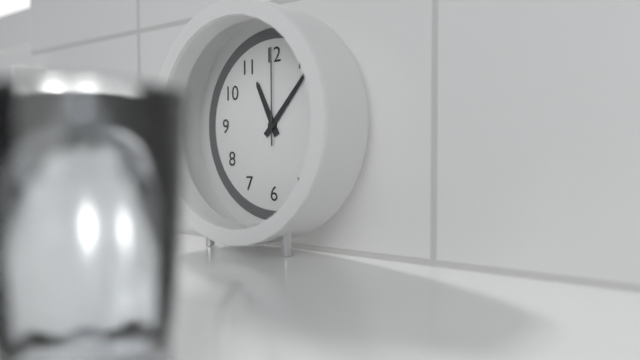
11:07:00
